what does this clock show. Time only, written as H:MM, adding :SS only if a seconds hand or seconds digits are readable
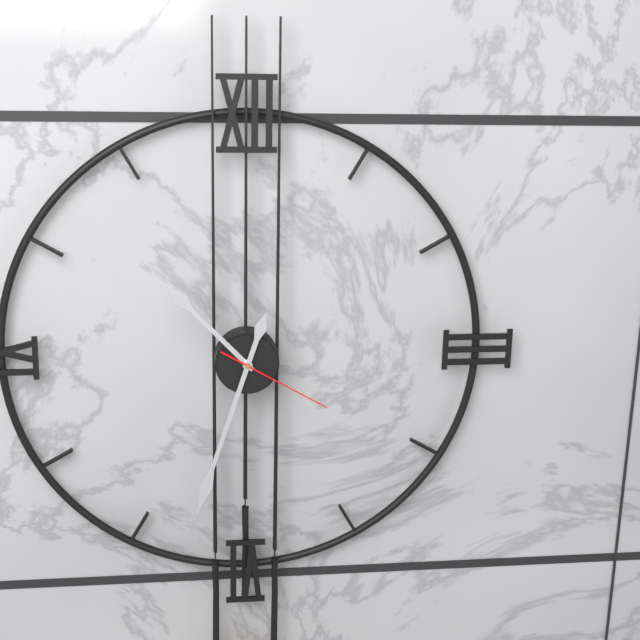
10:33:20
